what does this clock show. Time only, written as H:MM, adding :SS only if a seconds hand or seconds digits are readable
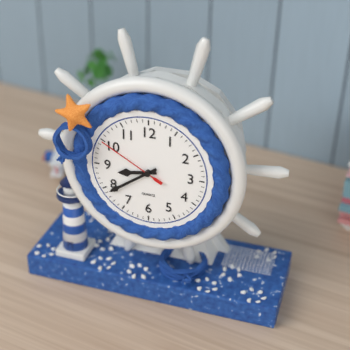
8:39:50
